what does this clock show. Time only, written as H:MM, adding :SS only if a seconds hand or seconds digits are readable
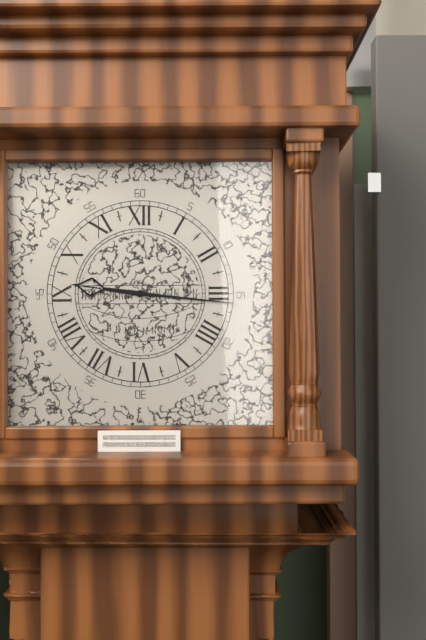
9:16
